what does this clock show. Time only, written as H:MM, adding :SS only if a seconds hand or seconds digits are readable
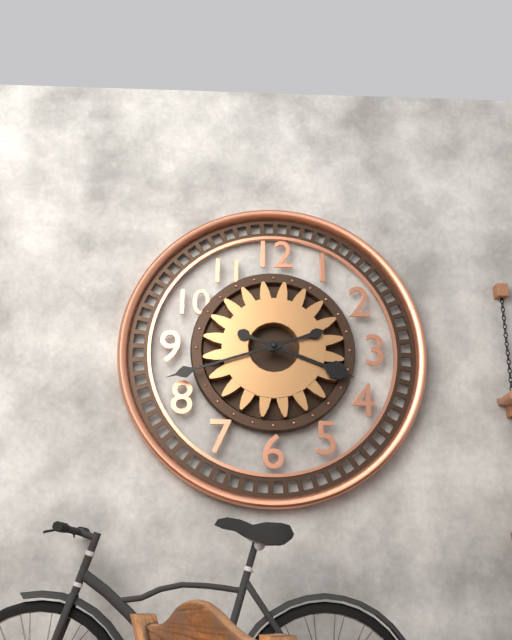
3:42
